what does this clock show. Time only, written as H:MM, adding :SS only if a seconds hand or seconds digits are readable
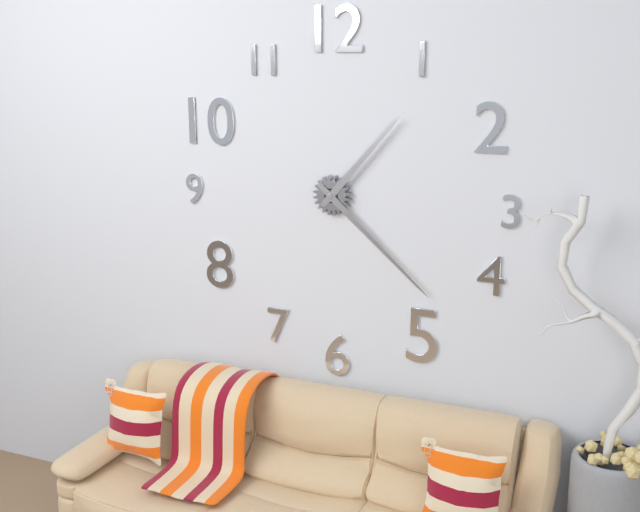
1:22
